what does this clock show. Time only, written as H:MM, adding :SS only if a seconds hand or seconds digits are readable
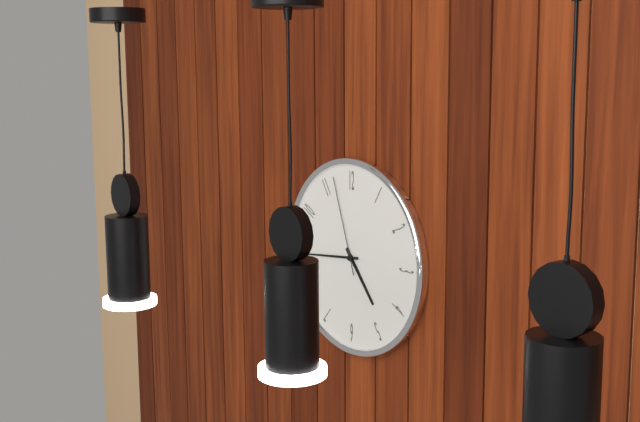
4:44:57
